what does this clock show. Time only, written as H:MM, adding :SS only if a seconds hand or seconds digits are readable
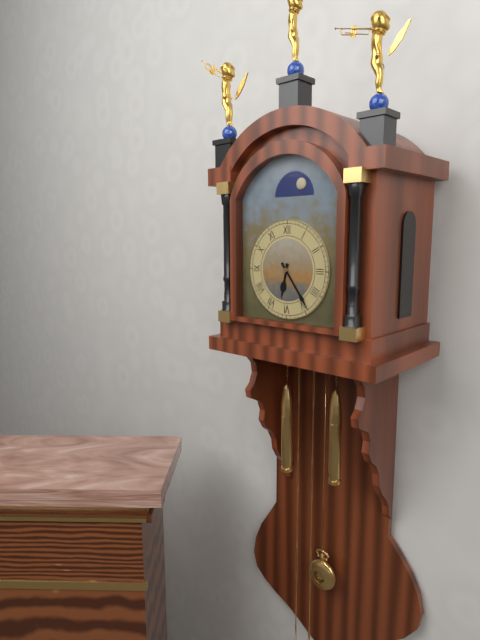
6:24
